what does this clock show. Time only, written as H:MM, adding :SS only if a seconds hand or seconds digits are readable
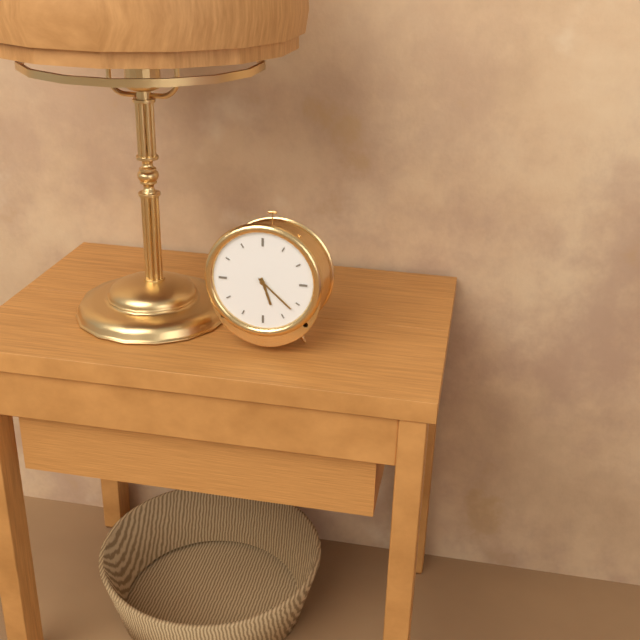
5:22
